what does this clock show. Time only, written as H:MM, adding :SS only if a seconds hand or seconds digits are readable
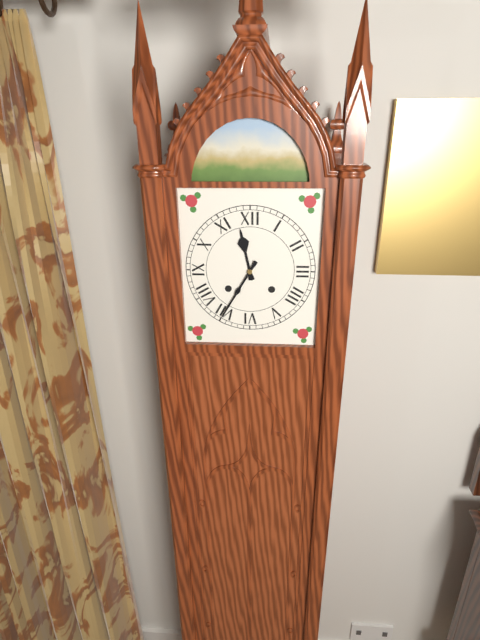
11:35
